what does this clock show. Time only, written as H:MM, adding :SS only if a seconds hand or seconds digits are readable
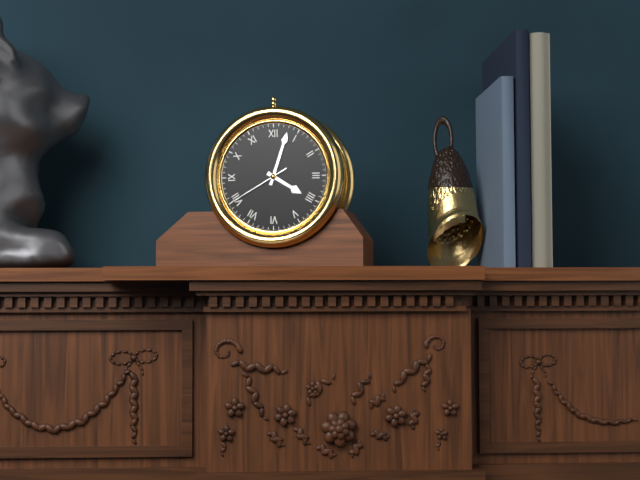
4:03:40
